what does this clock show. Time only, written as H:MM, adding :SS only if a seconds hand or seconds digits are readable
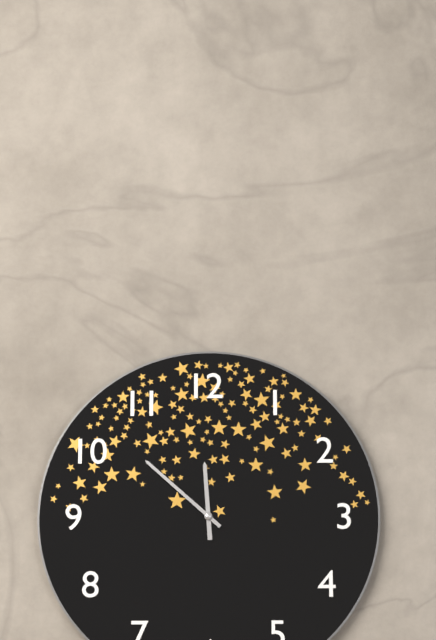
11:52
